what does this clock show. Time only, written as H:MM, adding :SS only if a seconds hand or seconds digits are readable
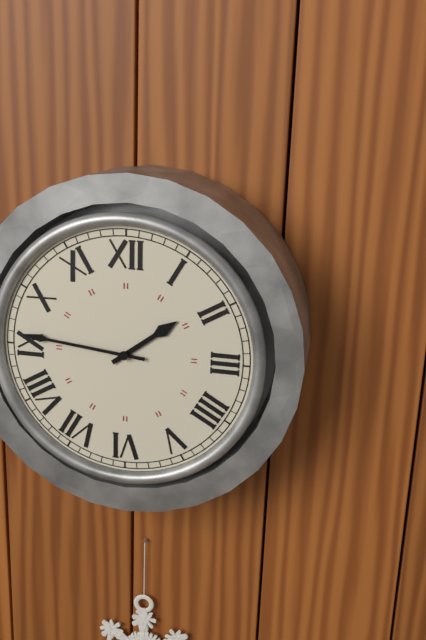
1:46
